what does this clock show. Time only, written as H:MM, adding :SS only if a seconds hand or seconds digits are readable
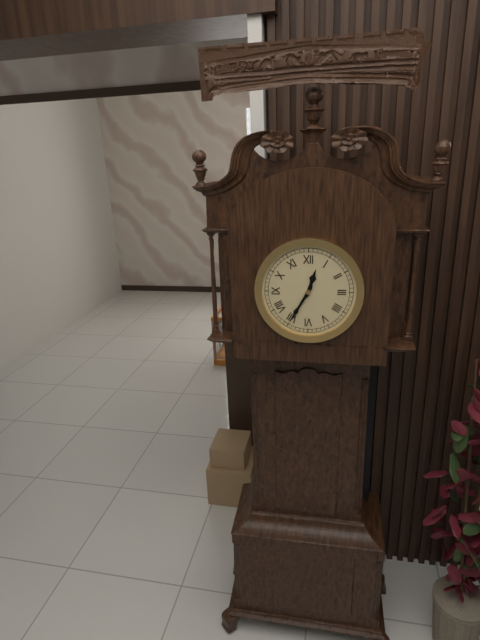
12:35
